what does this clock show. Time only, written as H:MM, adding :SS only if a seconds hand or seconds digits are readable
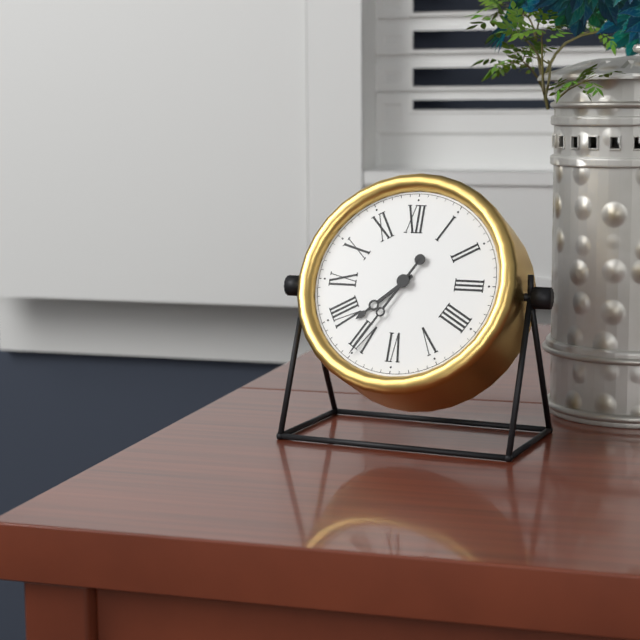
7:35
